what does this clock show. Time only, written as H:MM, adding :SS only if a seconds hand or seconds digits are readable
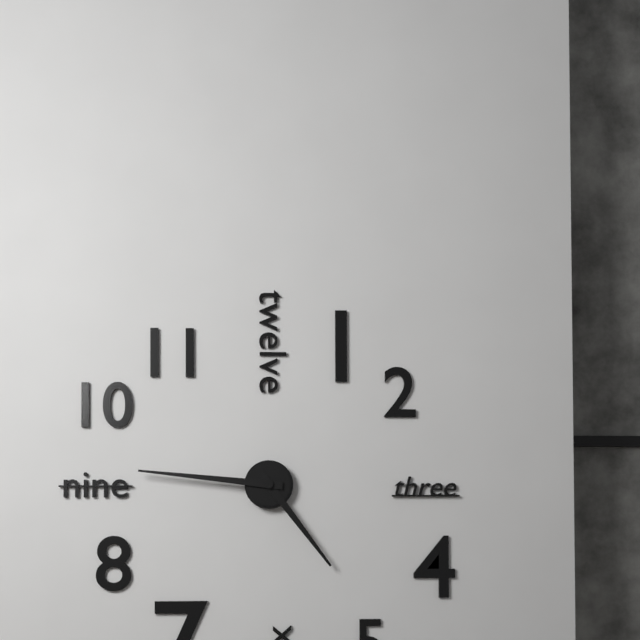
4:46
